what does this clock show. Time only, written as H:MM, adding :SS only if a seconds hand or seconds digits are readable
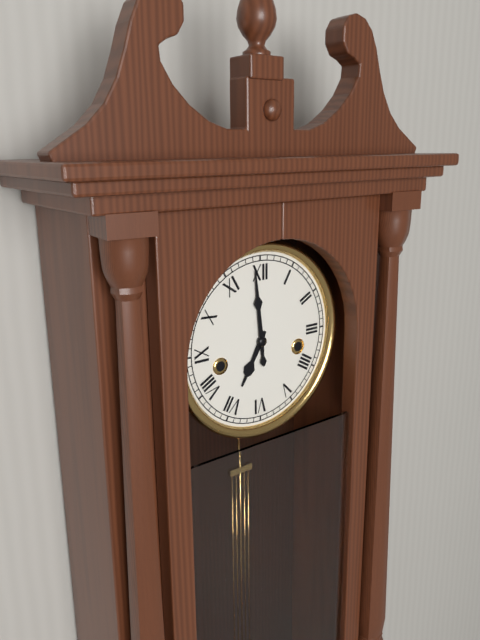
6:59
